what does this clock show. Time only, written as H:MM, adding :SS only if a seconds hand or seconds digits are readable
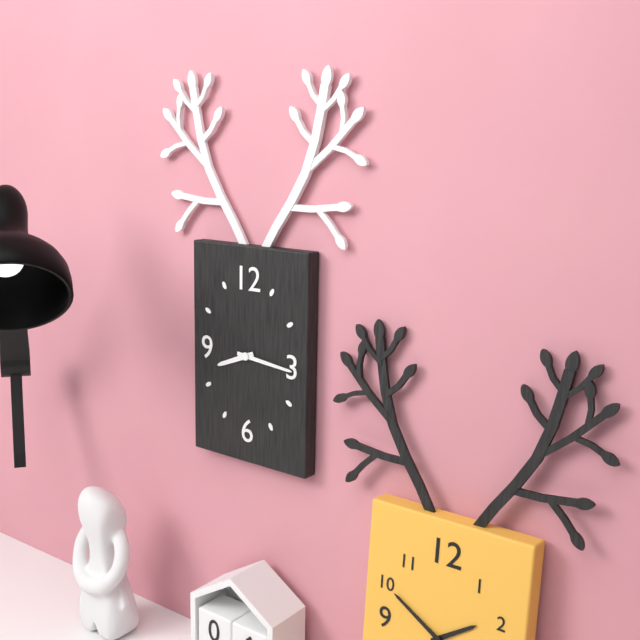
8:16
